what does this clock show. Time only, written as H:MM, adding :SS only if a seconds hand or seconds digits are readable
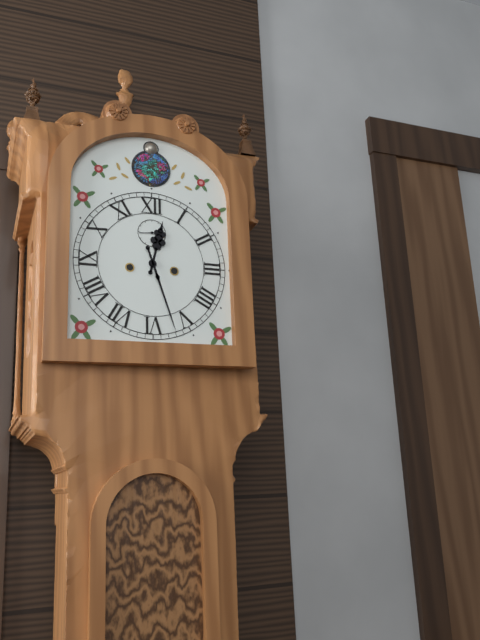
12:27
